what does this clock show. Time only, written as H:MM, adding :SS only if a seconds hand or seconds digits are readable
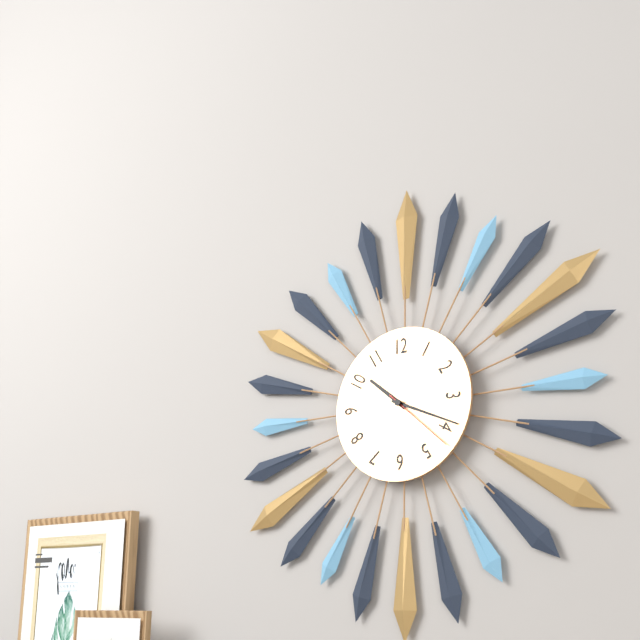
10:19:22
